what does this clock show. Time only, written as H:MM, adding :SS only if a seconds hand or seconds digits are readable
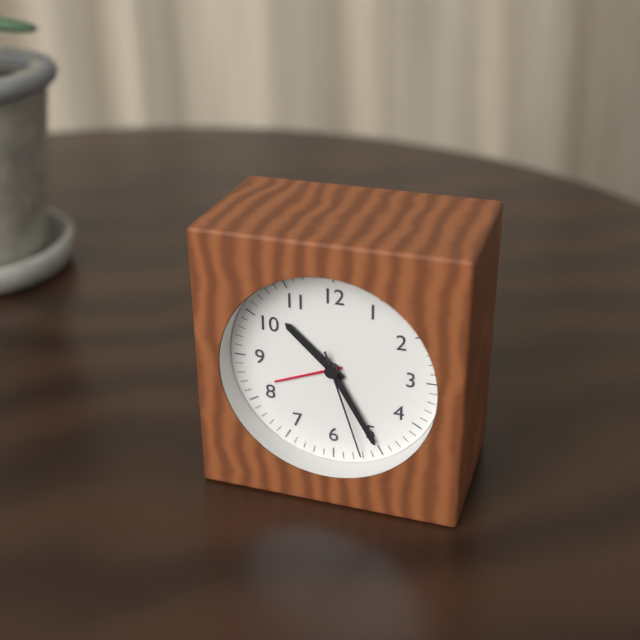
10:25:27
